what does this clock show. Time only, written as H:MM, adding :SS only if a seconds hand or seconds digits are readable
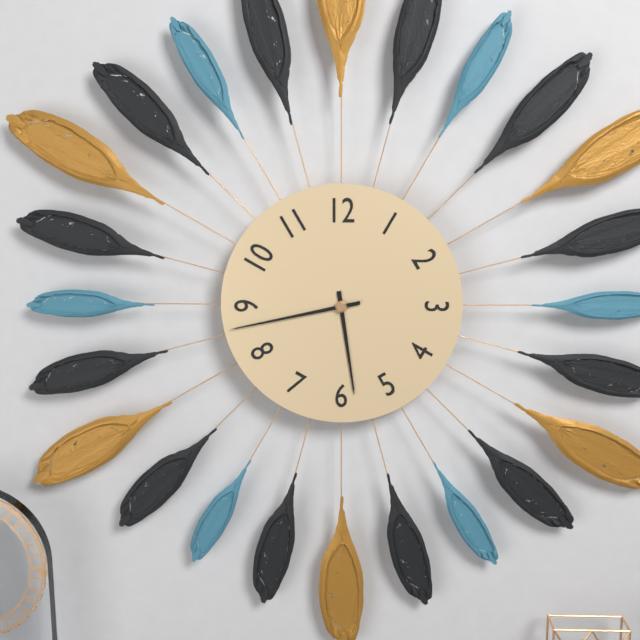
5:43
